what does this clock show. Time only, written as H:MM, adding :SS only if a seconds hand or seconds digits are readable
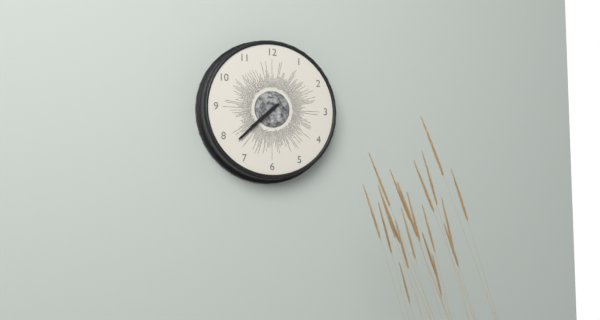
7:38
